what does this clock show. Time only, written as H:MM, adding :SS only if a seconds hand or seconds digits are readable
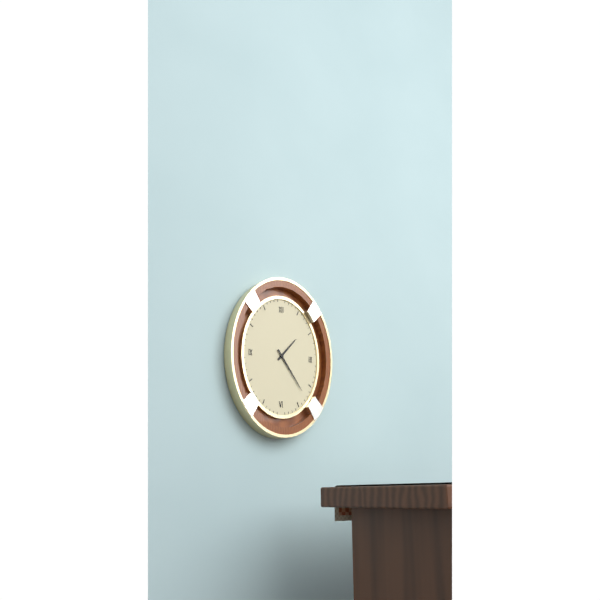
1:24
